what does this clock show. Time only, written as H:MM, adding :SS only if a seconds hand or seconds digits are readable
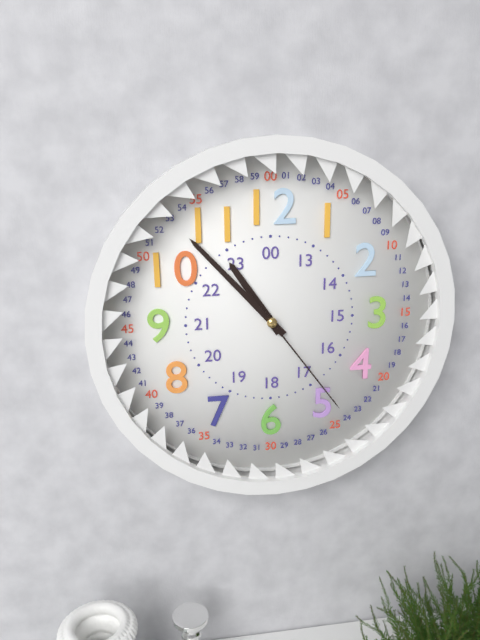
10:53:24
